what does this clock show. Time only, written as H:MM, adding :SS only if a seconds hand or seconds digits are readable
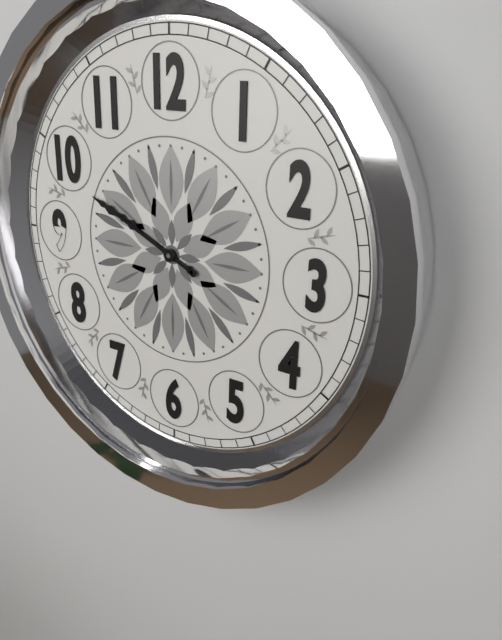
9:49
